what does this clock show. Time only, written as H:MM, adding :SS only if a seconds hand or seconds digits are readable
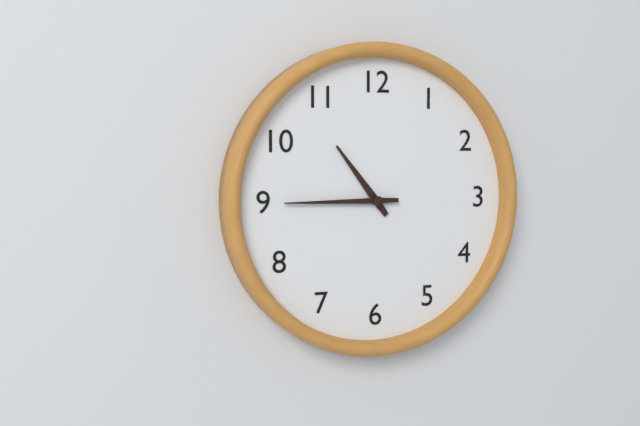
10:45
